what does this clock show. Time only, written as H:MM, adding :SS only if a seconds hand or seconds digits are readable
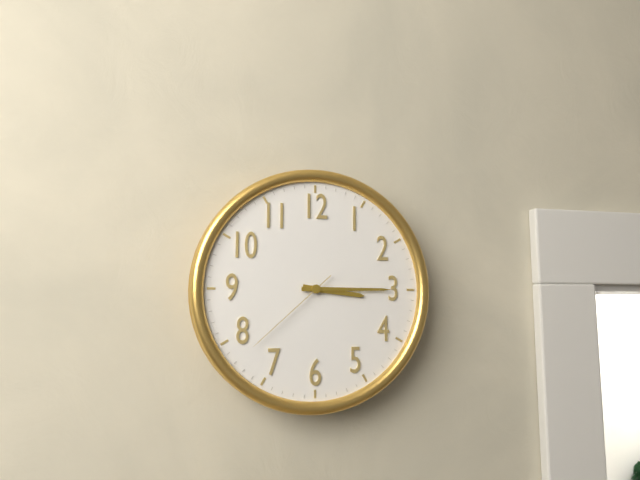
3:15:38
